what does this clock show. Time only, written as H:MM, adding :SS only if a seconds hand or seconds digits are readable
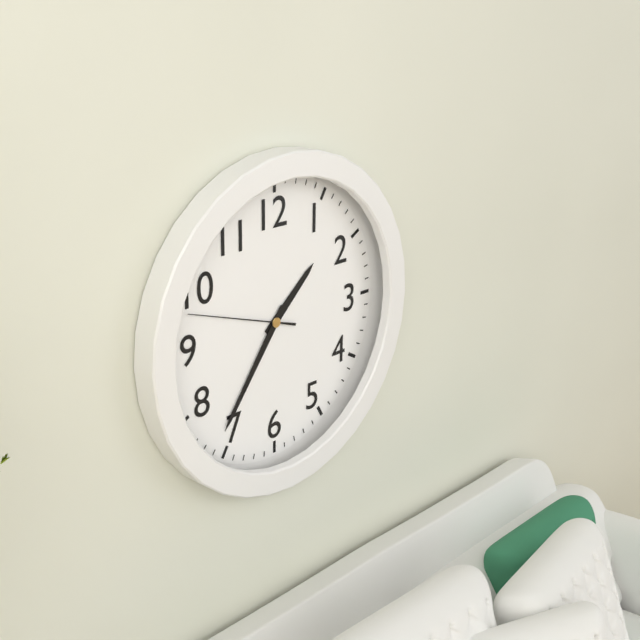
1:36:48
